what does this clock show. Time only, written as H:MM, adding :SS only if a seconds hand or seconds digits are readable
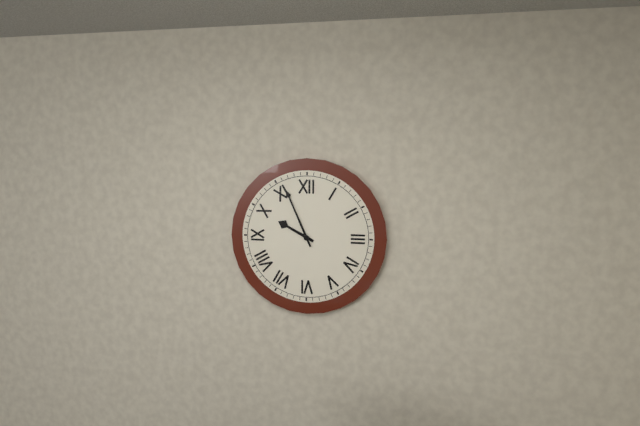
9:56
